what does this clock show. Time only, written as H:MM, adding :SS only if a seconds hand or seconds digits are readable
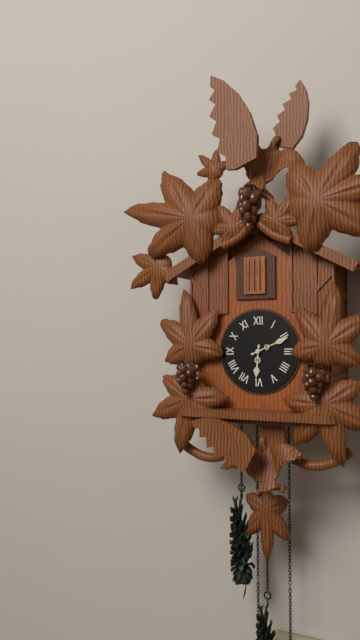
6:11
